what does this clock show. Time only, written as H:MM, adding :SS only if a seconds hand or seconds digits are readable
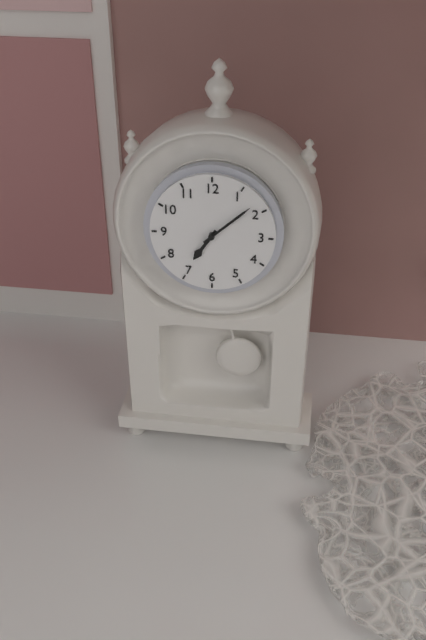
7:08
